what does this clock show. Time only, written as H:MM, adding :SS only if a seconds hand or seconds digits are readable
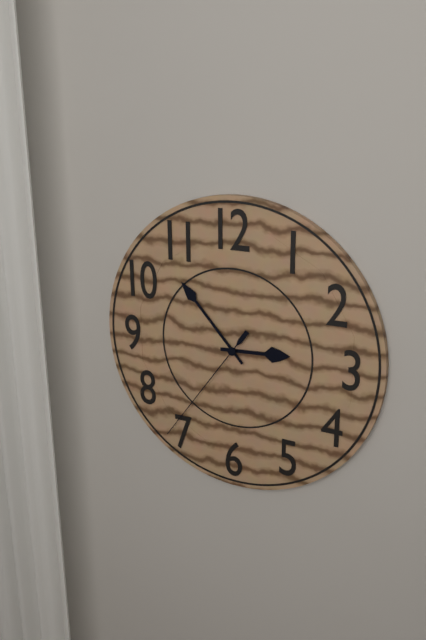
2:53:36
